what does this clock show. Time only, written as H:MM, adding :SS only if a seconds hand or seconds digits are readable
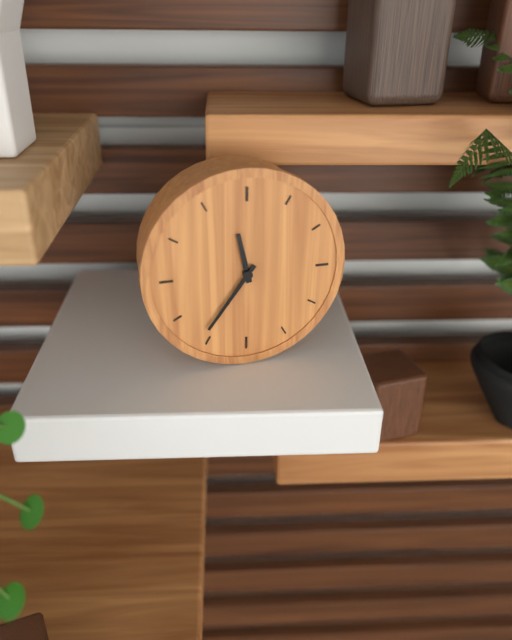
11:36
